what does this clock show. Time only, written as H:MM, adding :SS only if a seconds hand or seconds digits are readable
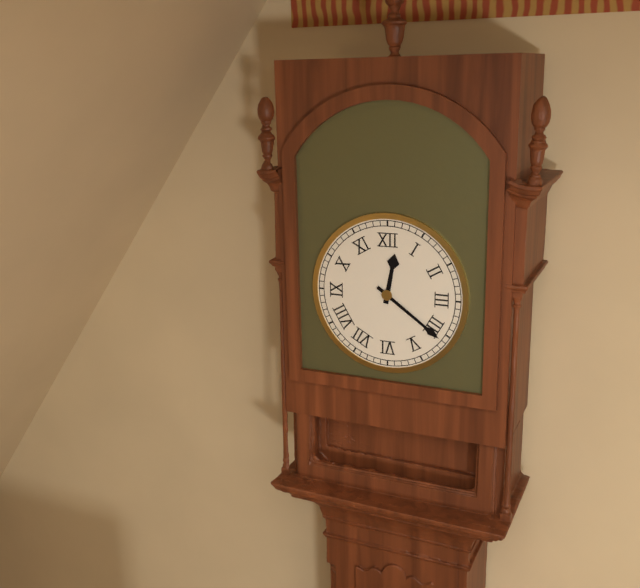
12:21
